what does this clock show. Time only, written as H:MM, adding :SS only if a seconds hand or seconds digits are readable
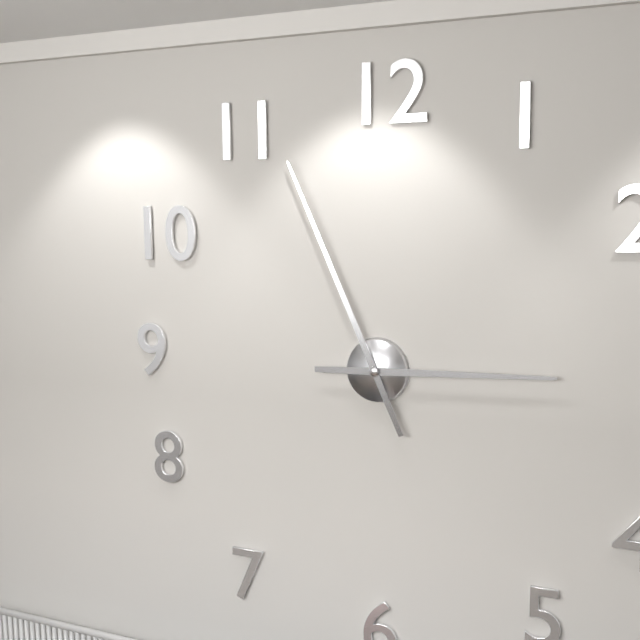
2:56
